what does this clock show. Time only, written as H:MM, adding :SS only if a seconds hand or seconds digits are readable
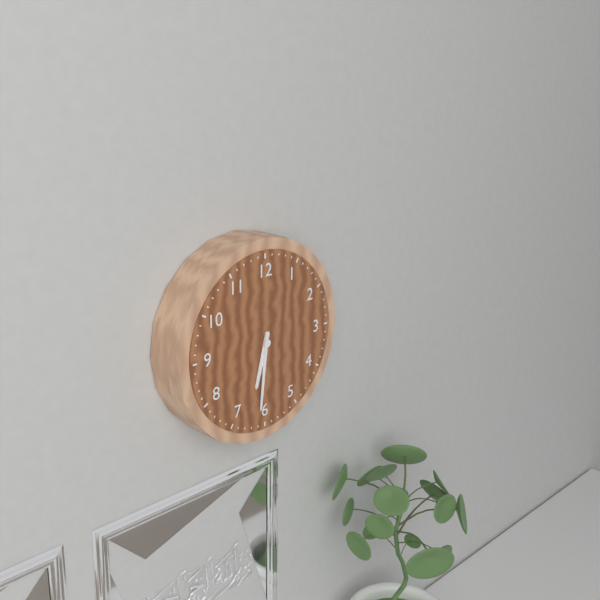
6:31
